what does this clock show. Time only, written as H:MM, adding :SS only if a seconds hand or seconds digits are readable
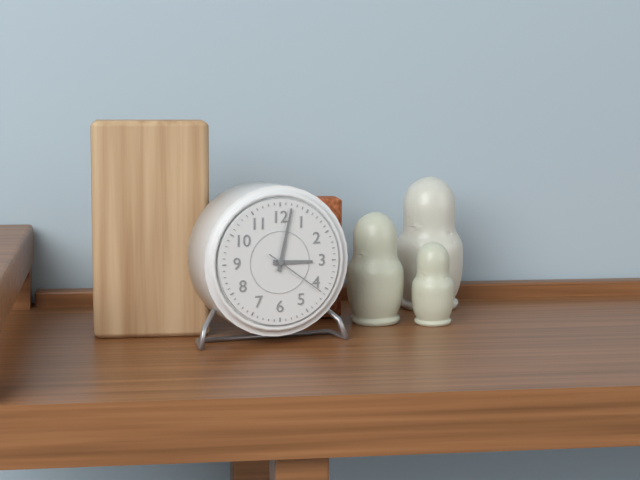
3:02:21
